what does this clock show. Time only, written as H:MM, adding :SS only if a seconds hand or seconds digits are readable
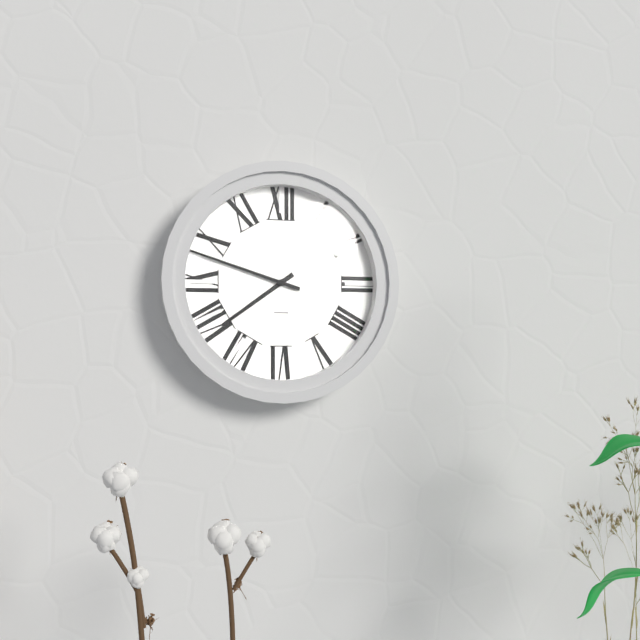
7:48
